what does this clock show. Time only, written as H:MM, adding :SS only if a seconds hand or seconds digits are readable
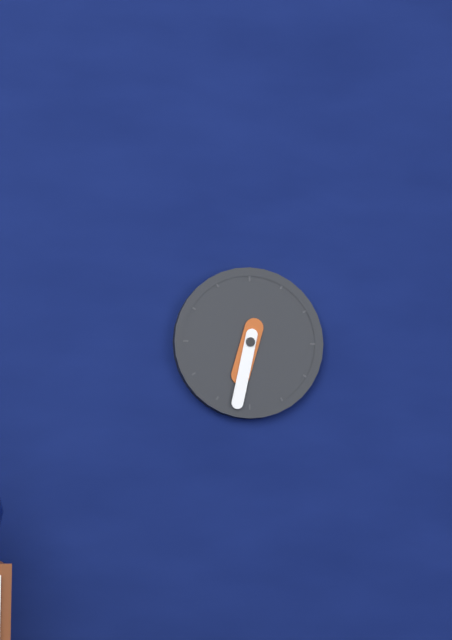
6:32
